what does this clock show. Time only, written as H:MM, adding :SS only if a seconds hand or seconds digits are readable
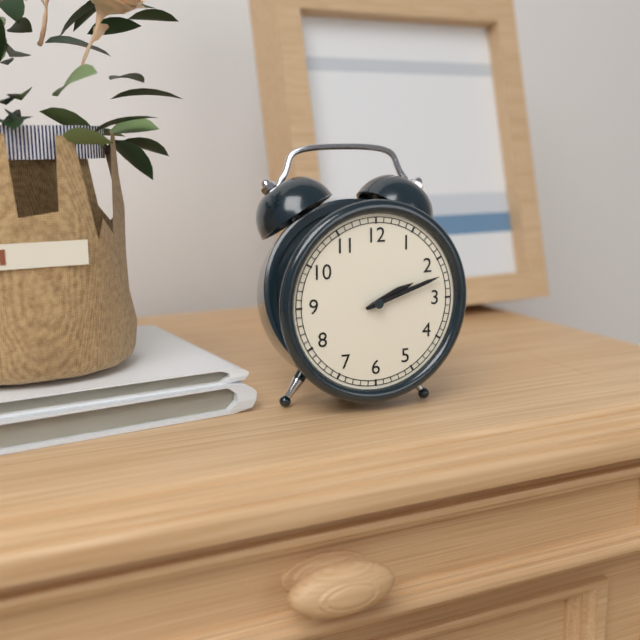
2:12
